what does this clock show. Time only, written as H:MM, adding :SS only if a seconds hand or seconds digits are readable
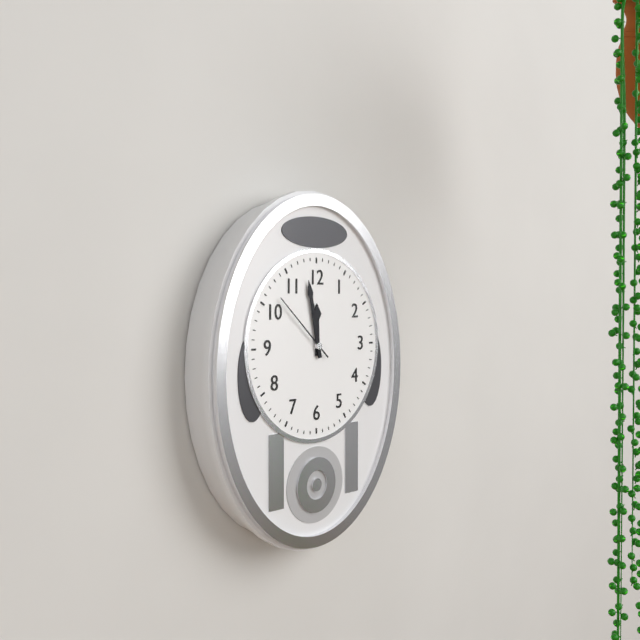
11:58:52
